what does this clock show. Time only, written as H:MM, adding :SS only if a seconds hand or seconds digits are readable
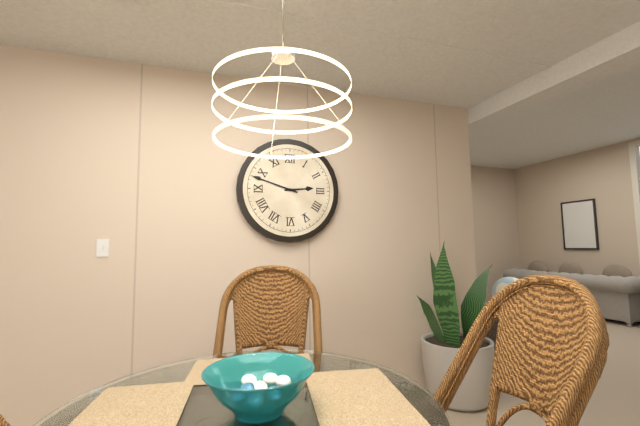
2:48
